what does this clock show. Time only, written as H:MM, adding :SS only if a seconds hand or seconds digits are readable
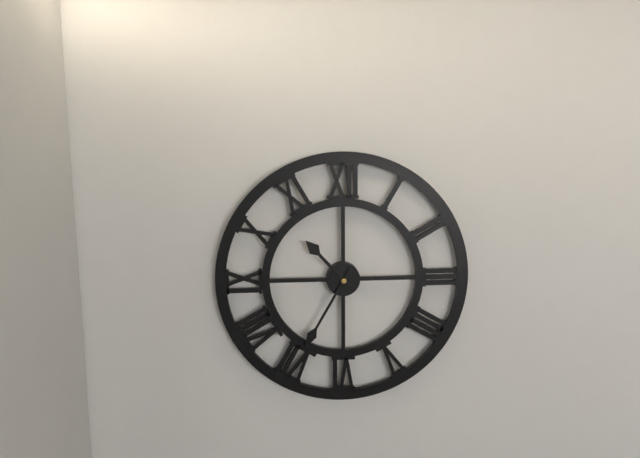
10:35
